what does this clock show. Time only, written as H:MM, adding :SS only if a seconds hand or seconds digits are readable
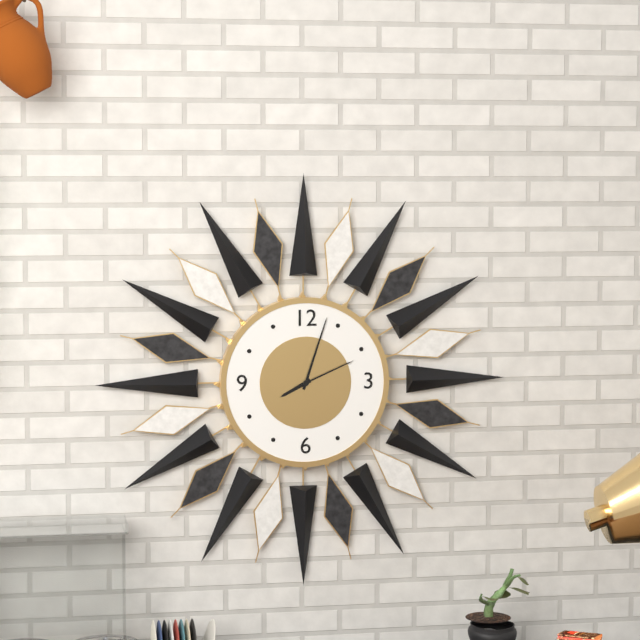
8:03:11
